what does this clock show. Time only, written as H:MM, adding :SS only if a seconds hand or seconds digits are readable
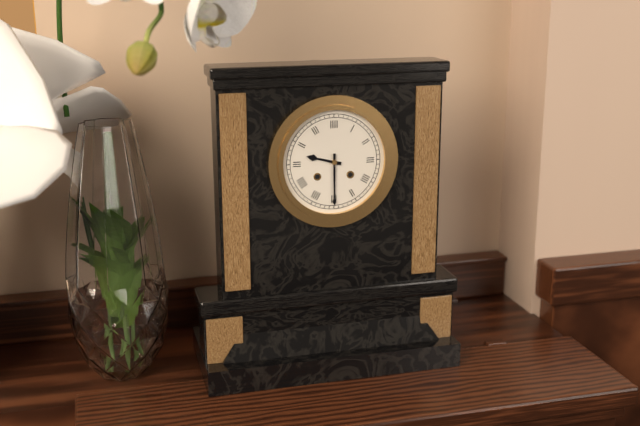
9:30
